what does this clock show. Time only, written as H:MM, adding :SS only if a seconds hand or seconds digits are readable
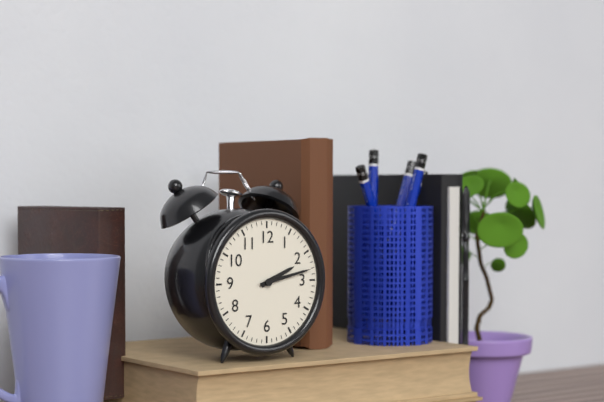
2:13
